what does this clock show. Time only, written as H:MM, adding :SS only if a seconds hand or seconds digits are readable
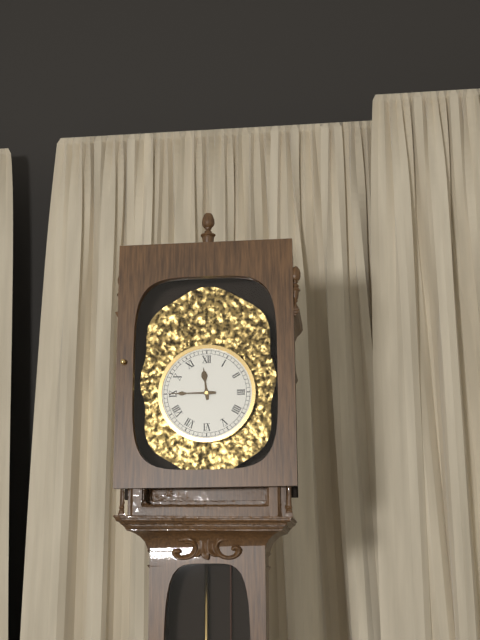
11:45
